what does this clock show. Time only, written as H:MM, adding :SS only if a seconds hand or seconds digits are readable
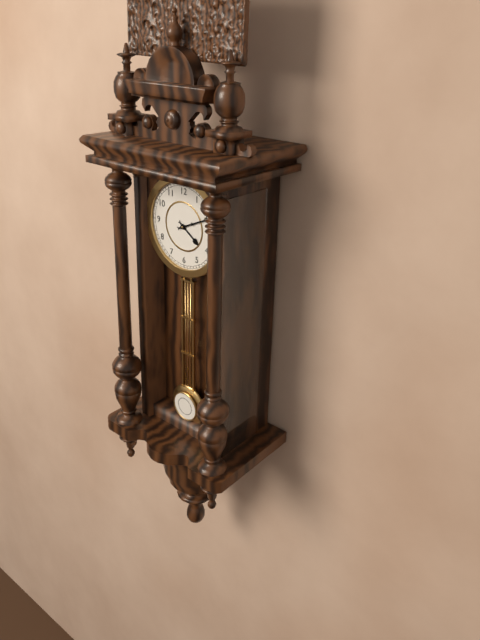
4:11
